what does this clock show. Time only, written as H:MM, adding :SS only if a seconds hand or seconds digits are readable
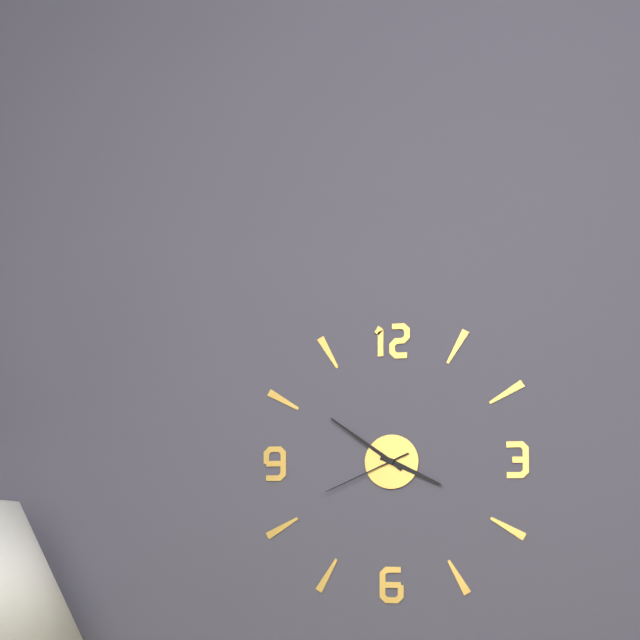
3:51:41
